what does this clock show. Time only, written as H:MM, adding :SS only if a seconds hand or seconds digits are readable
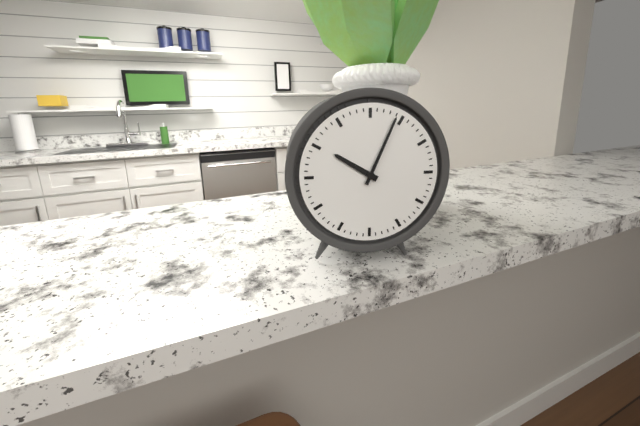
10:04
